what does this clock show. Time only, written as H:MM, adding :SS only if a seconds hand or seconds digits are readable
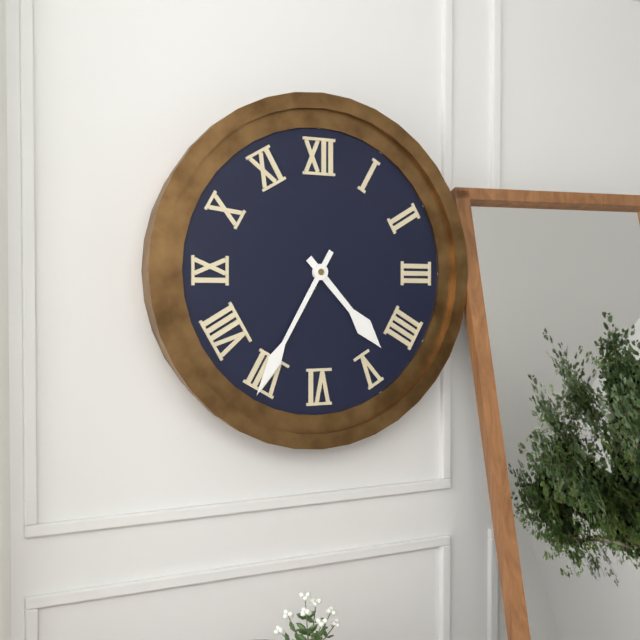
4:35
